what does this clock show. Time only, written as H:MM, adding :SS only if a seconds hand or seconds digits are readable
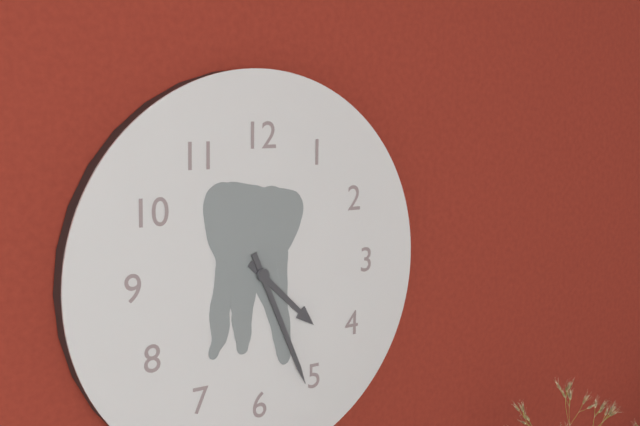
4:26
